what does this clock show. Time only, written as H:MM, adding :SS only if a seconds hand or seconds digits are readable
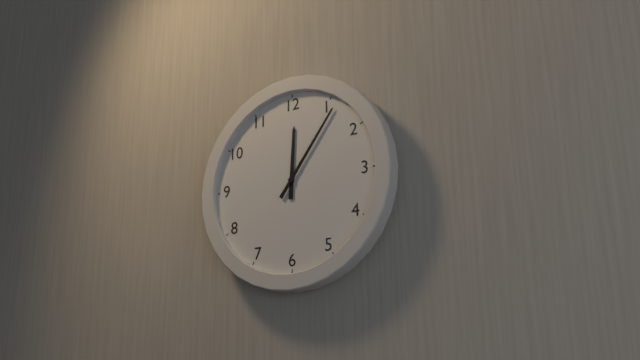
12:06
